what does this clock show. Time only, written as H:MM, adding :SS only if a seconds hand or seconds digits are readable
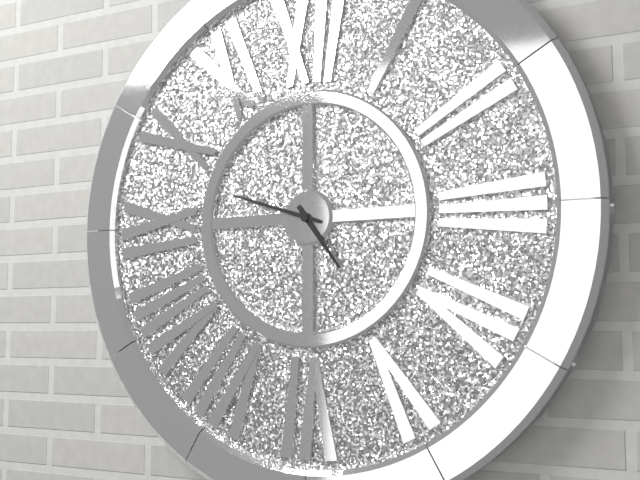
4:48
